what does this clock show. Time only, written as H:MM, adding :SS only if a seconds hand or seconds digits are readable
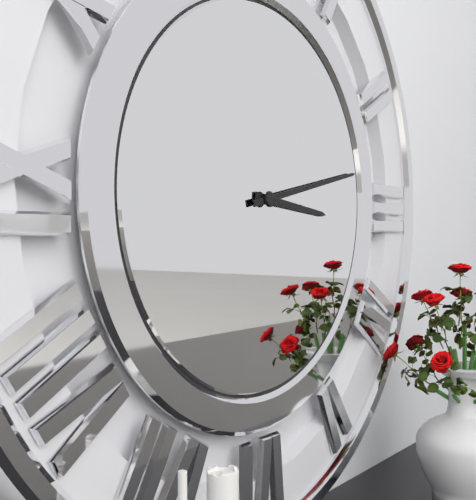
3:13
